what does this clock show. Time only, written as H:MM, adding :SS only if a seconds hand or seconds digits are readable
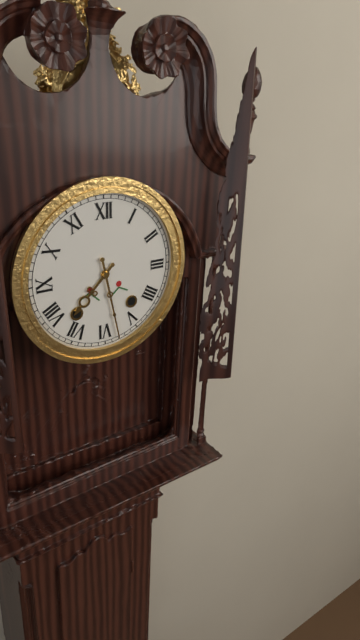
7:28
